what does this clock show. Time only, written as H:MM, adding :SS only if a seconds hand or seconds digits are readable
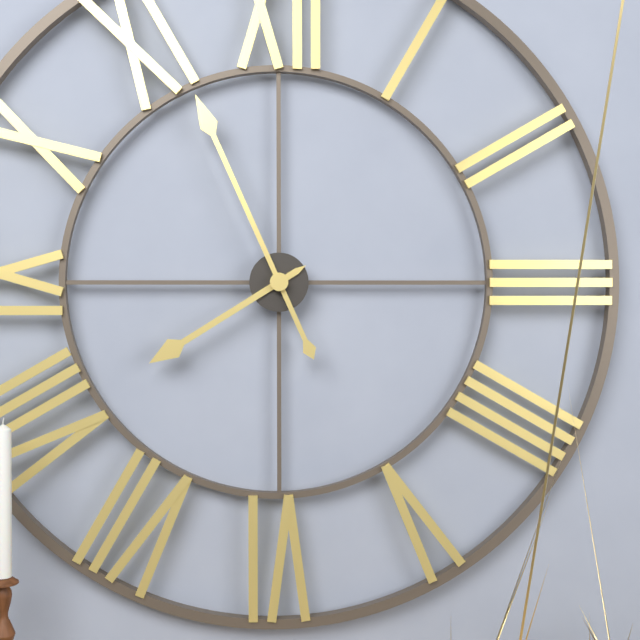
7:56
